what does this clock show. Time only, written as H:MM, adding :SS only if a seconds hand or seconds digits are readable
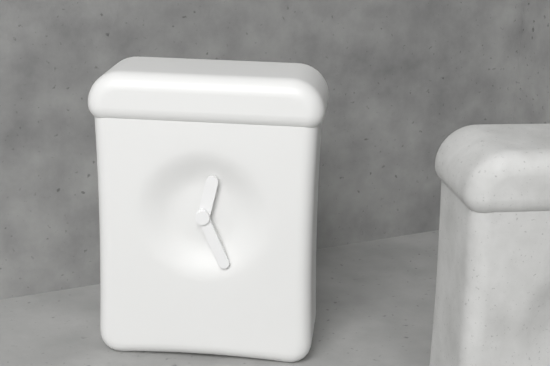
12:26
